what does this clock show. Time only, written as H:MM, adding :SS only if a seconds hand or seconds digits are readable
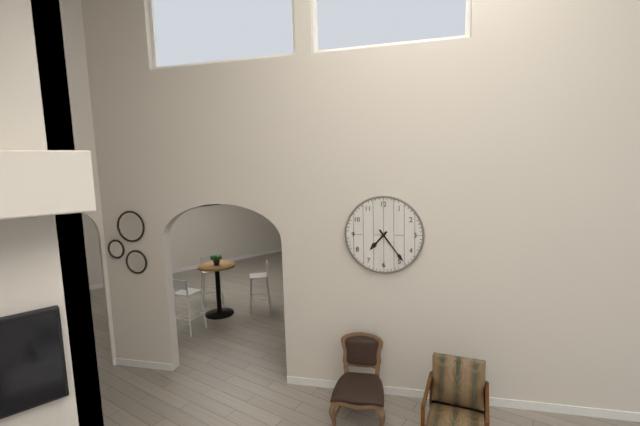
7:24
